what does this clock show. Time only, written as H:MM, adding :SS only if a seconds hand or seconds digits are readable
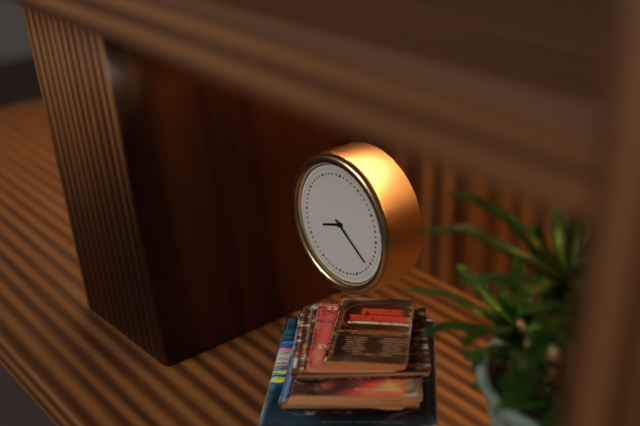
8:21
